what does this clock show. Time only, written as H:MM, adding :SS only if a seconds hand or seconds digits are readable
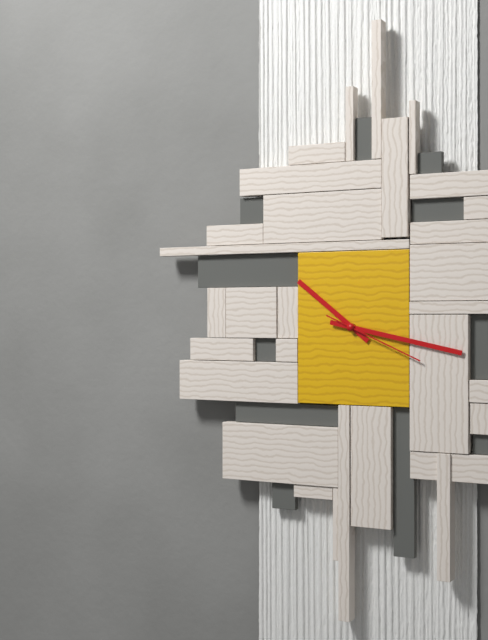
10:17:19
